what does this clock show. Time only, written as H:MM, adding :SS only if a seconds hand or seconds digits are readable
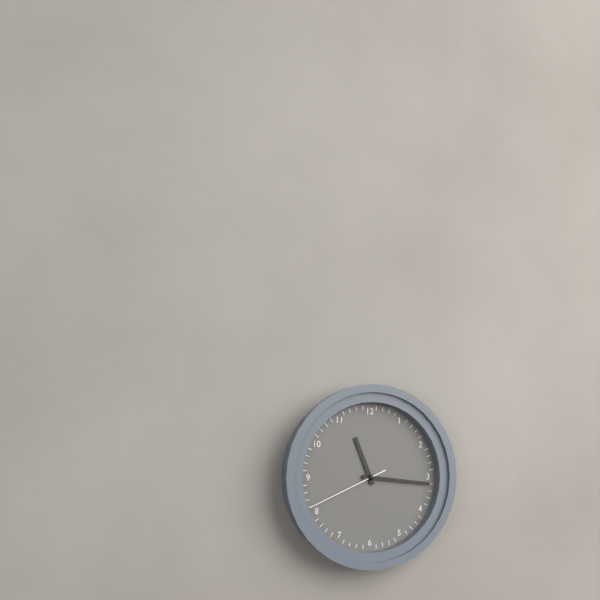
11:16:41
